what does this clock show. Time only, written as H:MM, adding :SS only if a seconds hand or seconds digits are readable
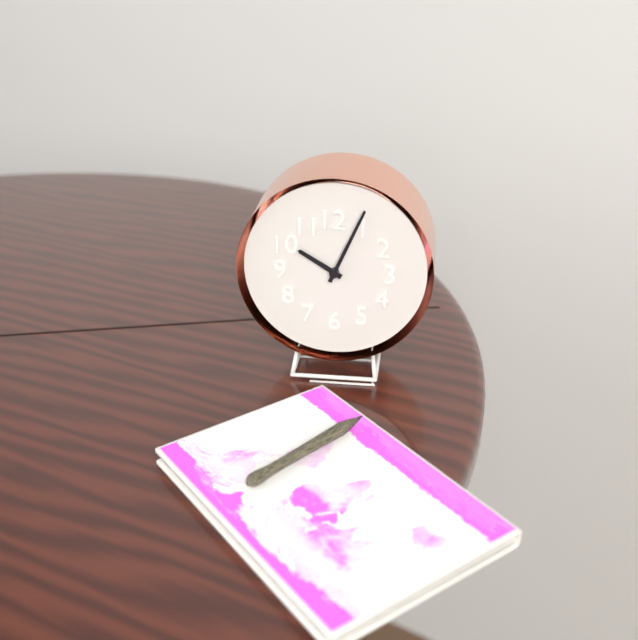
10:04
